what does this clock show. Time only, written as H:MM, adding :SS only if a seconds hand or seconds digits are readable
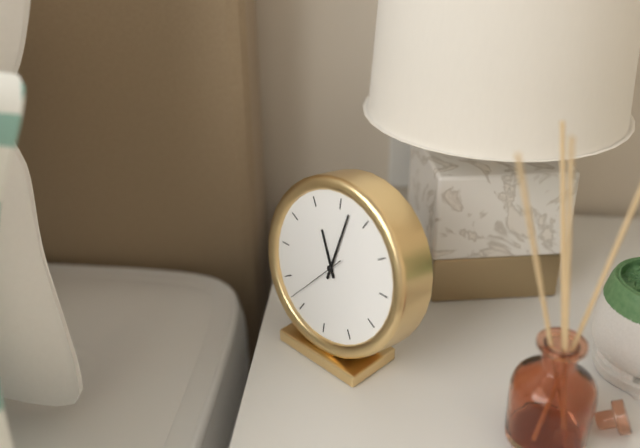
11:02:37
